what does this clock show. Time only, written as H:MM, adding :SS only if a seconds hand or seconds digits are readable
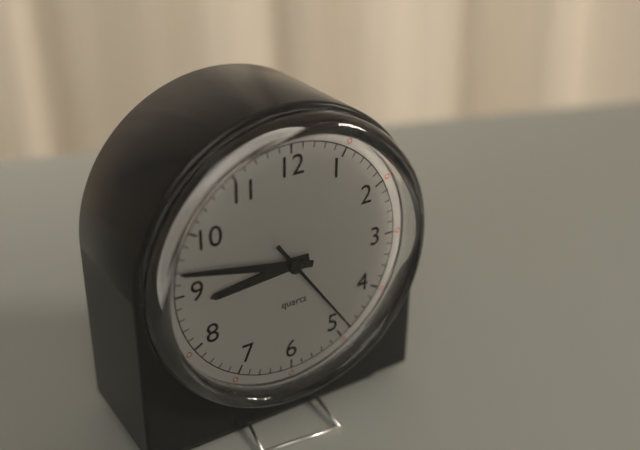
8:47:24
